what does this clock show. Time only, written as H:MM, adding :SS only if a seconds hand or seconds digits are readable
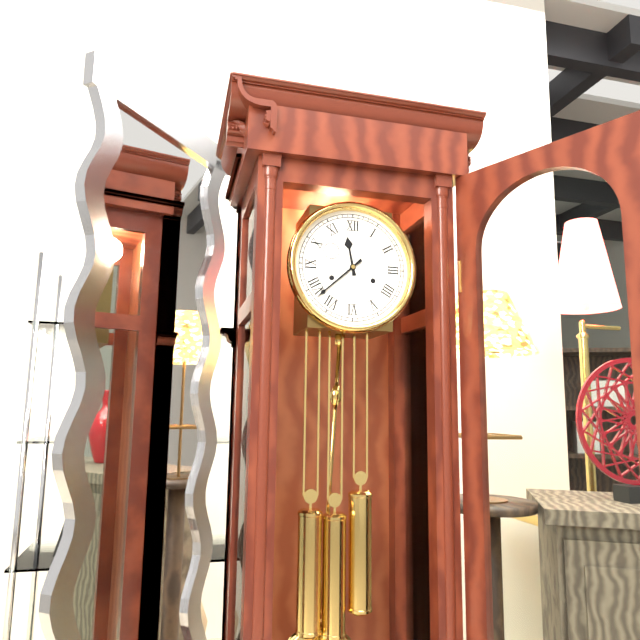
11:38
